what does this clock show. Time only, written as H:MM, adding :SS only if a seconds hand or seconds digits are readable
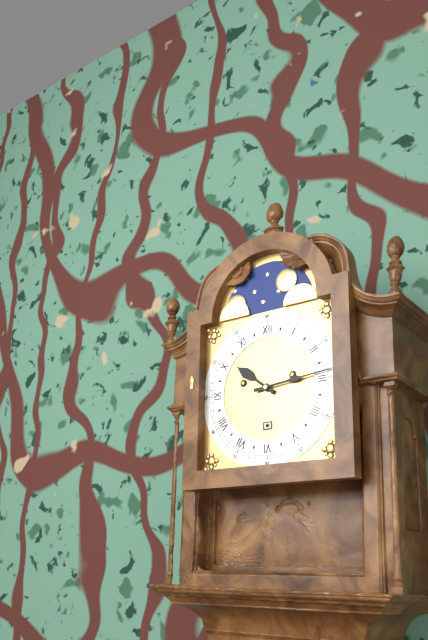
10:14
